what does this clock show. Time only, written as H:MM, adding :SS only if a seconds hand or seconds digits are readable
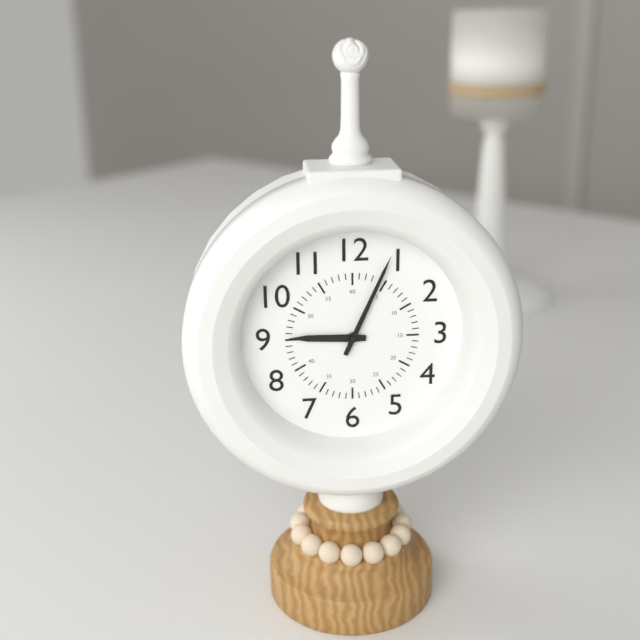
9:04
